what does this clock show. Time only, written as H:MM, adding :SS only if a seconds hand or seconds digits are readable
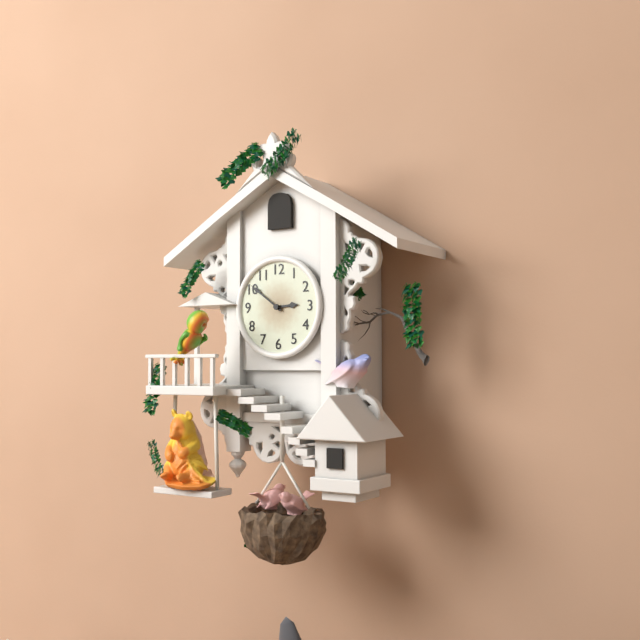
2:51
